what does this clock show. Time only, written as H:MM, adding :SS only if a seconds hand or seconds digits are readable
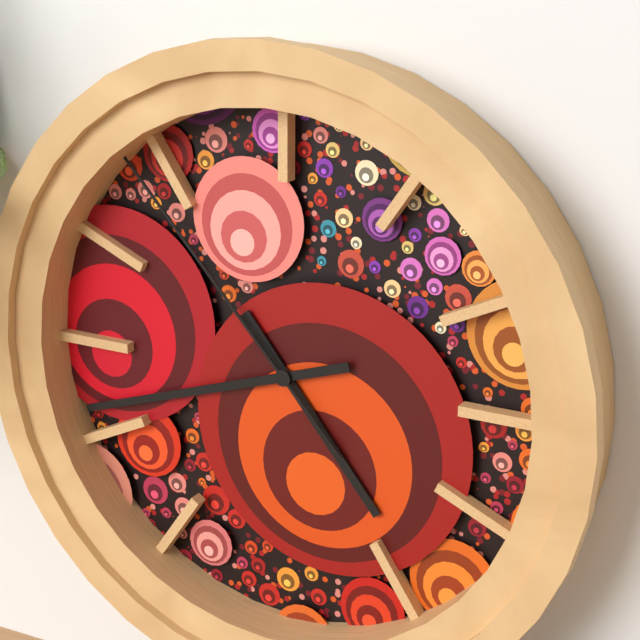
4:42:53
